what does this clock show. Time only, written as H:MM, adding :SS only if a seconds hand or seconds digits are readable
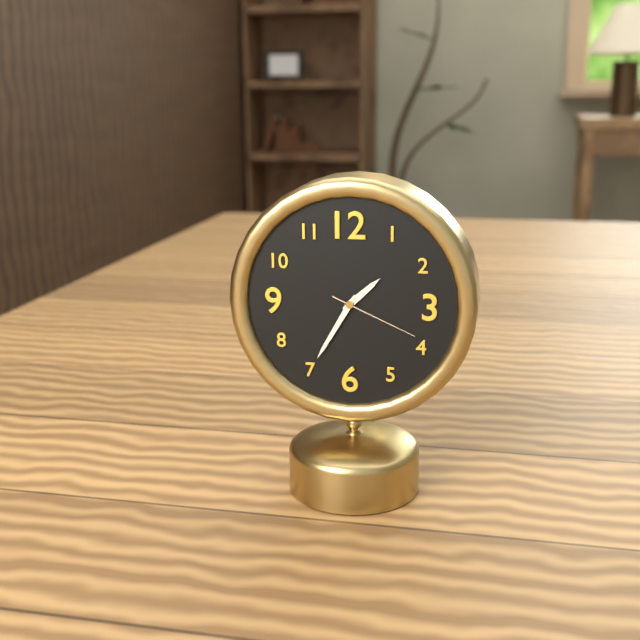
1:35:19
